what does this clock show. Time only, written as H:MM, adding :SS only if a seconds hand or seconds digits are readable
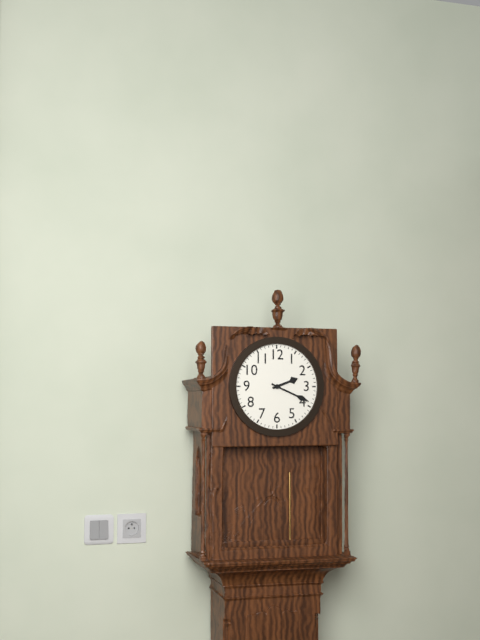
2:19
